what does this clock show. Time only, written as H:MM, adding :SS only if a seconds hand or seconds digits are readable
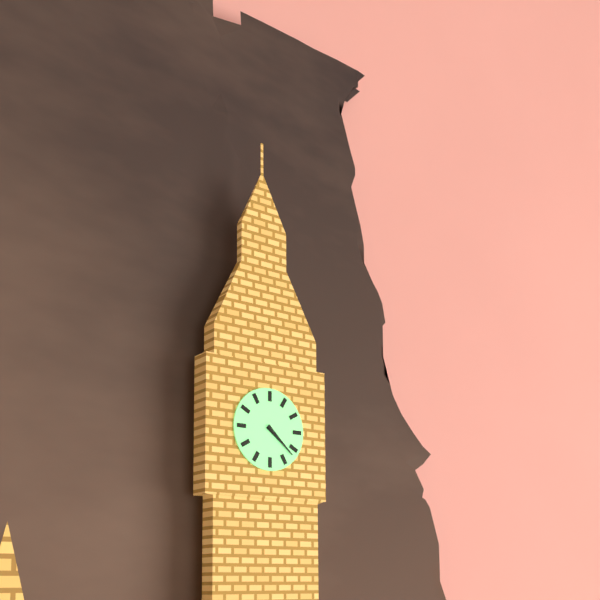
4:22
